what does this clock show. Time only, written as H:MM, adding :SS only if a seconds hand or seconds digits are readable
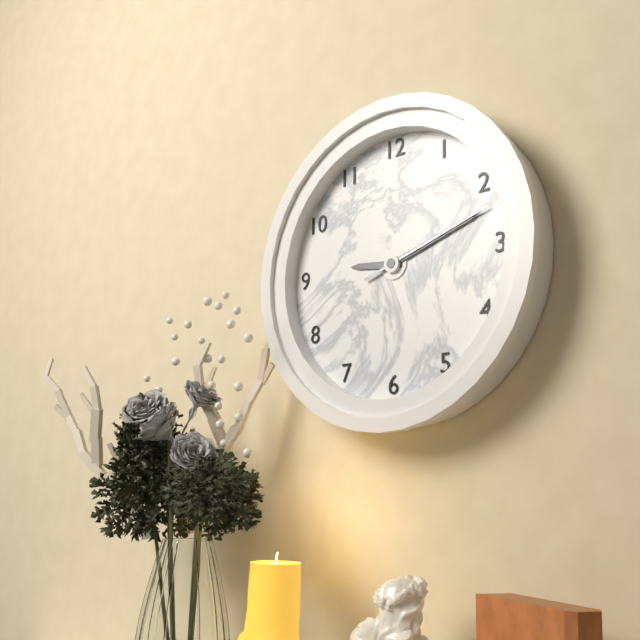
9:12:12
